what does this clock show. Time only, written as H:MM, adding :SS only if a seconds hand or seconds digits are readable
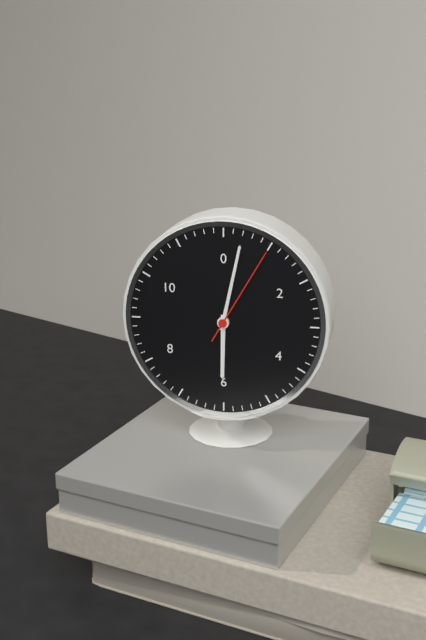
6:02:05
